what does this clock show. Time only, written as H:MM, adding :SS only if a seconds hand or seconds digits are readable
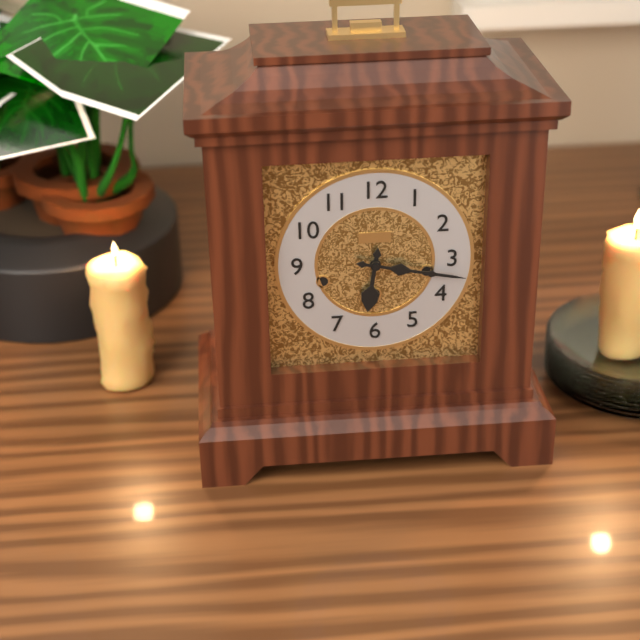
6:17
